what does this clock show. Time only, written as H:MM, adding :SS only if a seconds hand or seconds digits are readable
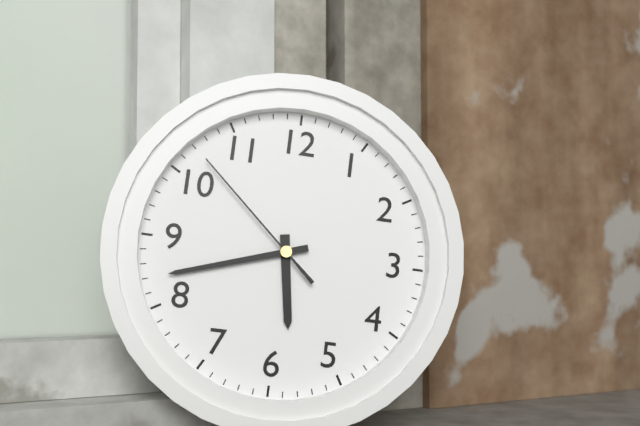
5:42:52
